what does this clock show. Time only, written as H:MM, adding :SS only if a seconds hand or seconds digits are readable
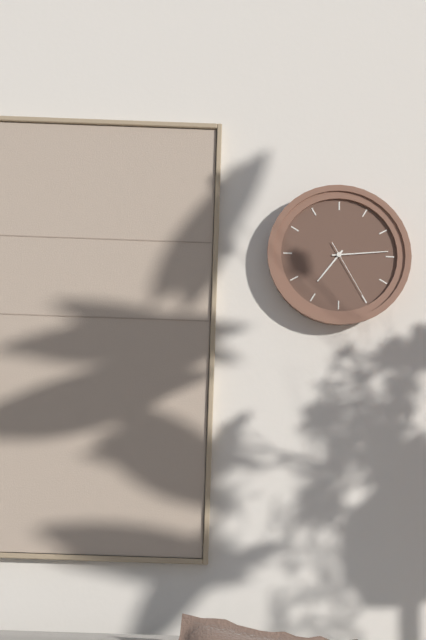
7:14:25
